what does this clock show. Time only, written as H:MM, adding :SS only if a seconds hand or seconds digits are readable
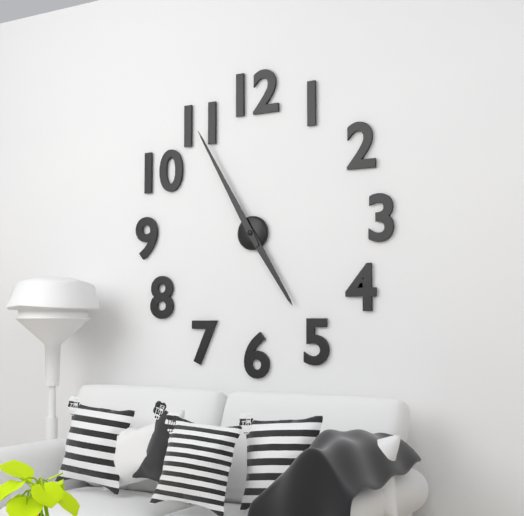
4:55
